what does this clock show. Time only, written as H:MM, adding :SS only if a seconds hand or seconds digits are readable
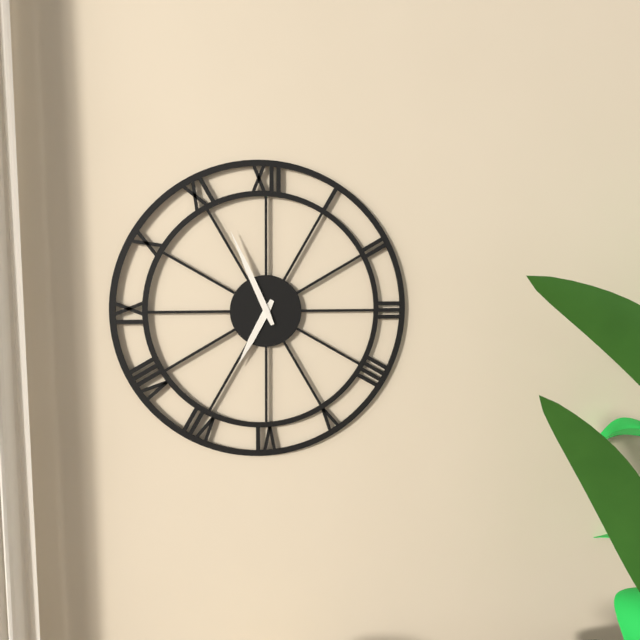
6:56
